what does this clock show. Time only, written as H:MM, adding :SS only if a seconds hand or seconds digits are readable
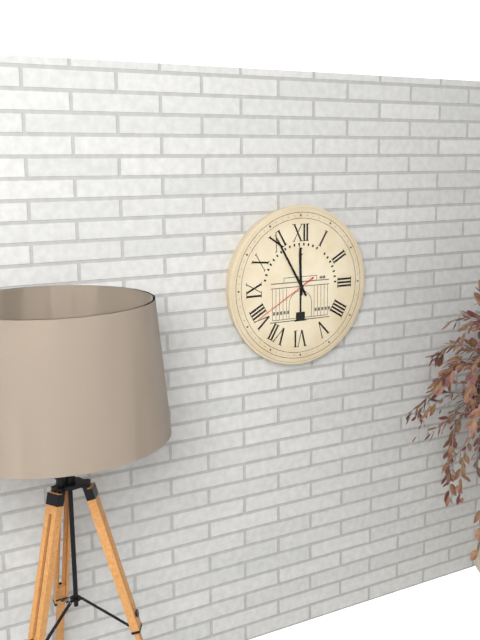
11:55:40
